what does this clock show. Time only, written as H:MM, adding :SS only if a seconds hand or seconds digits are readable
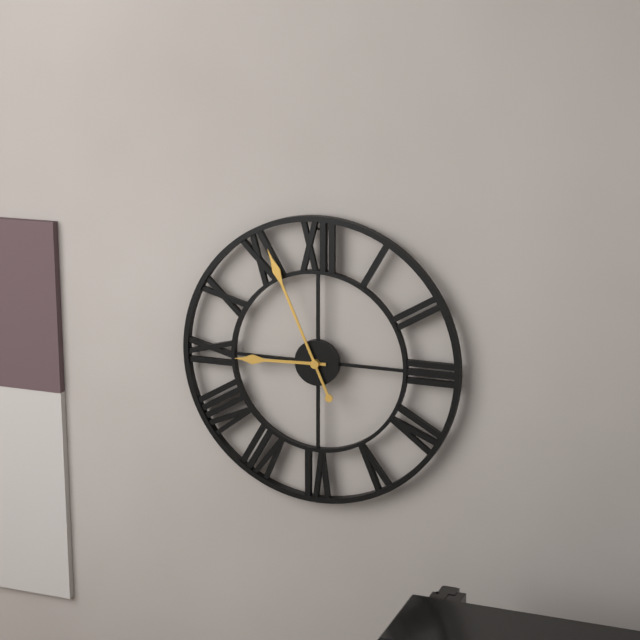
8:56
